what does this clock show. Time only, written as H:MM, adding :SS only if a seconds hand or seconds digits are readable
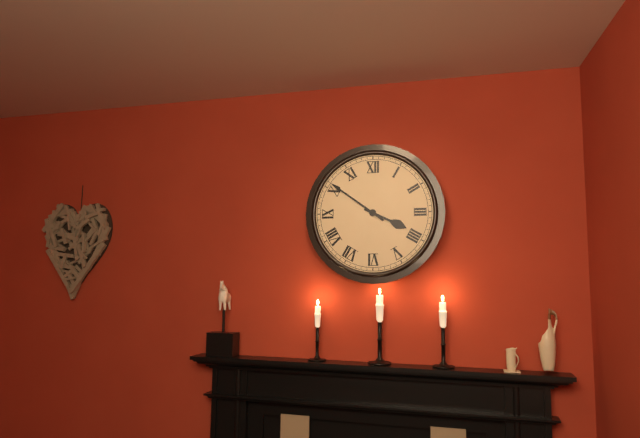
3:51
